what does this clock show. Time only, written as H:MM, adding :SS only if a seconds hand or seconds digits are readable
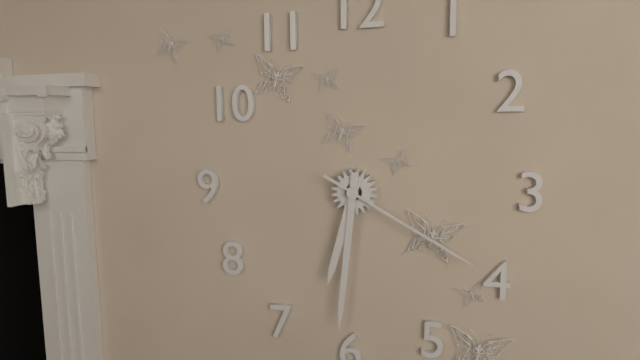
6:31:20
